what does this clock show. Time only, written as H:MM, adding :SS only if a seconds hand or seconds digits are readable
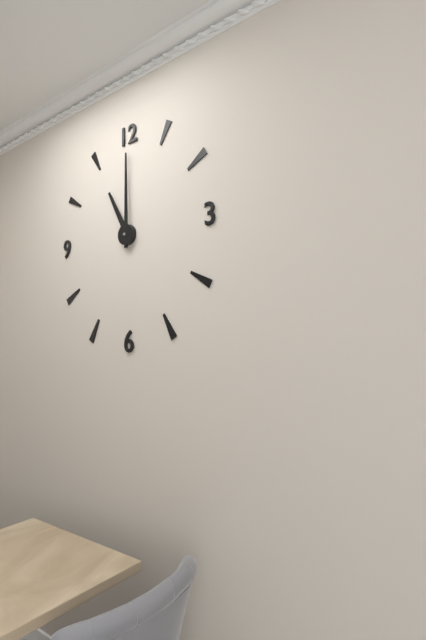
11:00
